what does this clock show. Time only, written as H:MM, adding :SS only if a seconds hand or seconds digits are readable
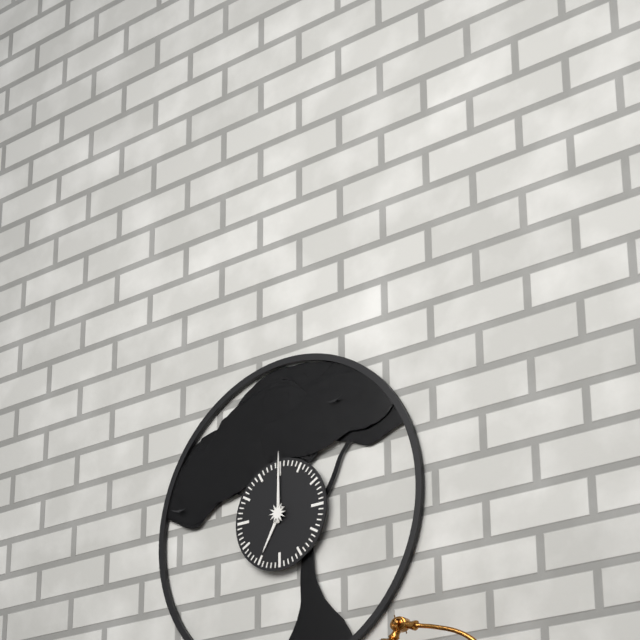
7:00
